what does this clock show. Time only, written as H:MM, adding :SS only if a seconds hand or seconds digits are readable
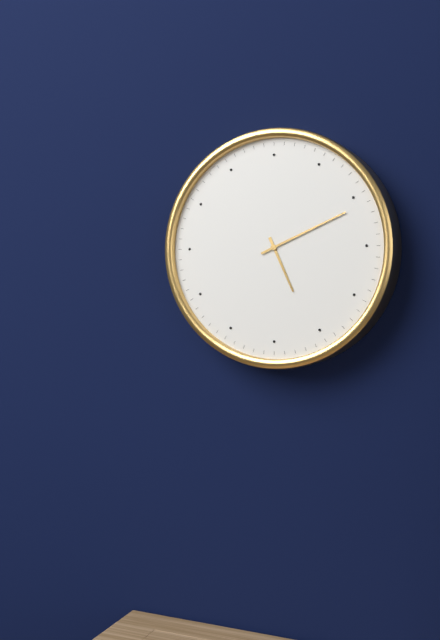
5:11
